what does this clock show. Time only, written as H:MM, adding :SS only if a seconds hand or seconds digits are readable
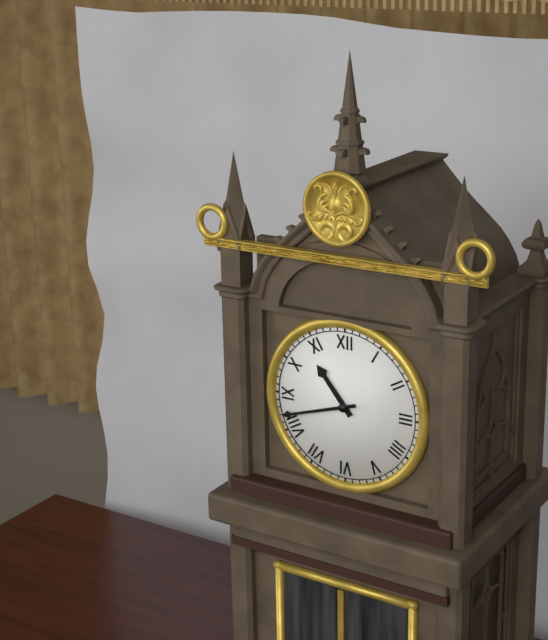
10:42
